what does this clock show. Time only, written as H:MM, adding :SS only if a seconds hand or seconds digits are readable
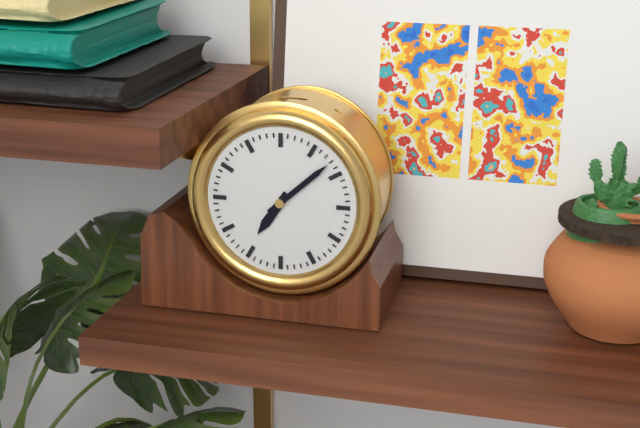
7:08
